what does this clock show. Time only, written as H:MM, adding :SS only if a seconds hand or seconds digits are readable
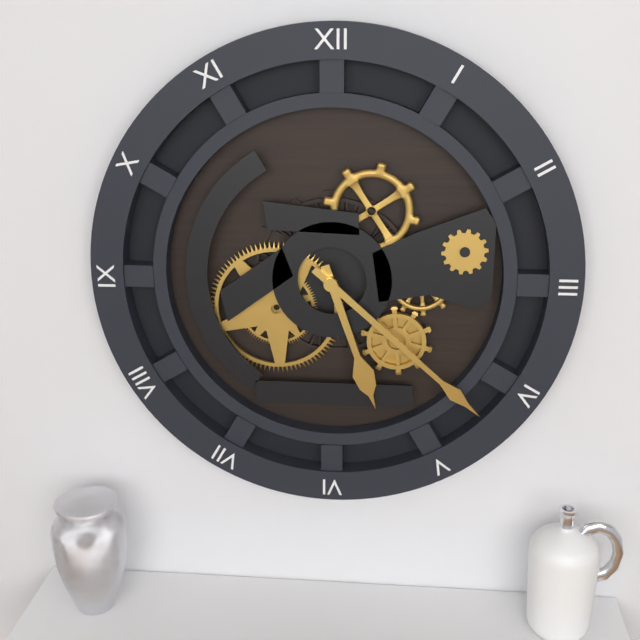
5:22
